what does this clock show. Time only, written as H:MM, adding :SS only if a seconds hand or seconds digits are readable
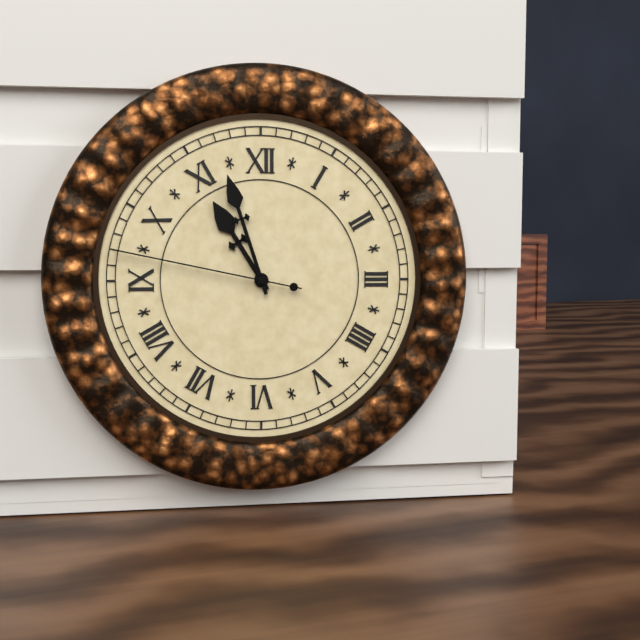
10:57:47
